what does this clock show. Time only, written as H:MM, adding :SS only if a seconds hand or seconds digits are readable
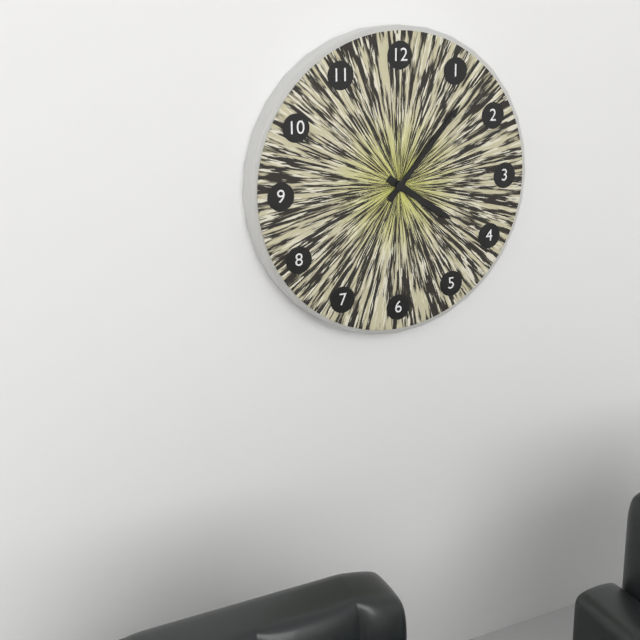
4:07
